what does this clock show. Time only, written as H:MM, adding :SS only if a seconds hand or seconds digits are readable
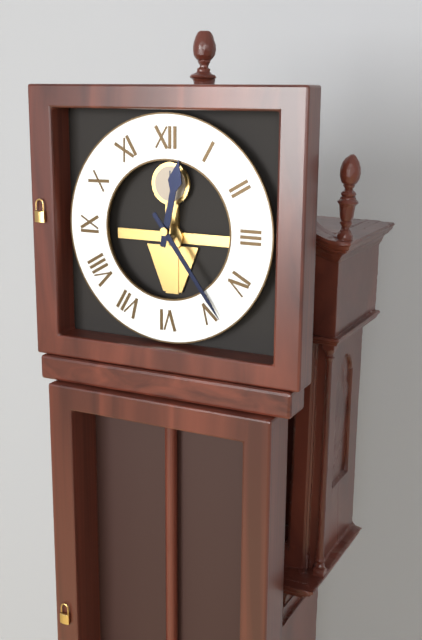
12:24
